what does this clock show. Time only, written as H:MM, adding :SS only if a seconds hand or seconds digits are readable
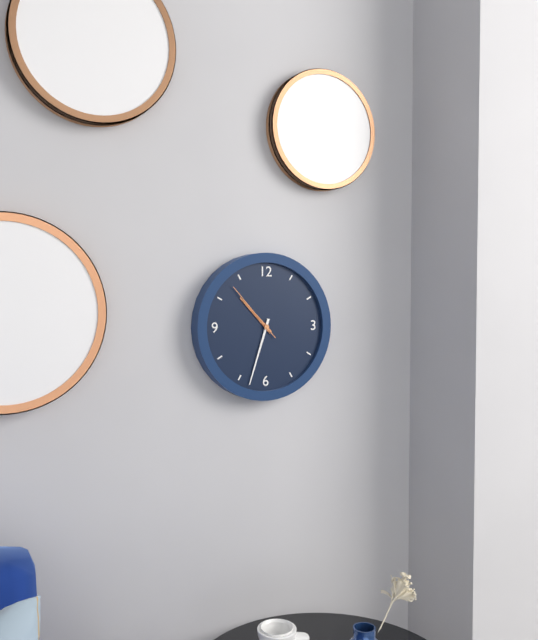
10:33:53
